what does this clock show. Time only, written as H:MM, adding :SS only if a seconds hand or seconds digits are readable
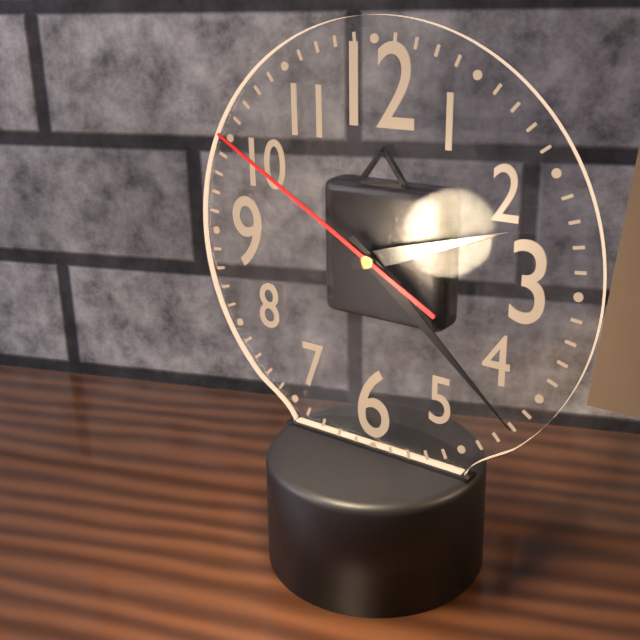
2:22:50
